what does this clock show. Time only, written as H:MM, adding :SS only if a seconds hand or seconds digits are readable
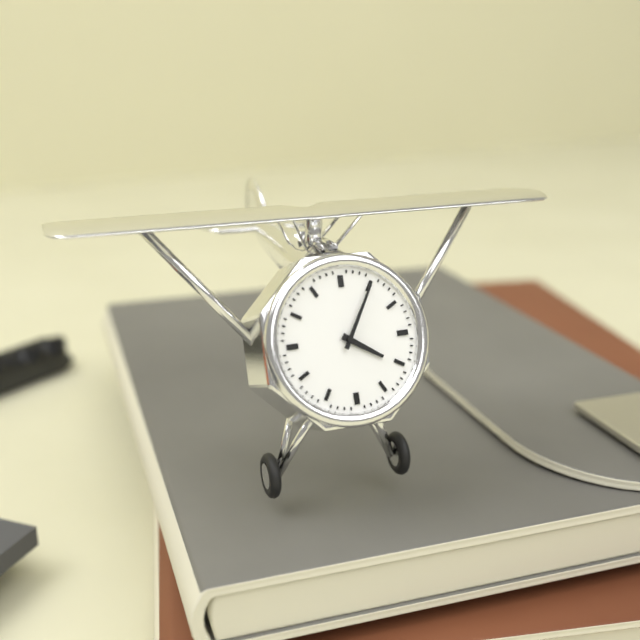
4:05
